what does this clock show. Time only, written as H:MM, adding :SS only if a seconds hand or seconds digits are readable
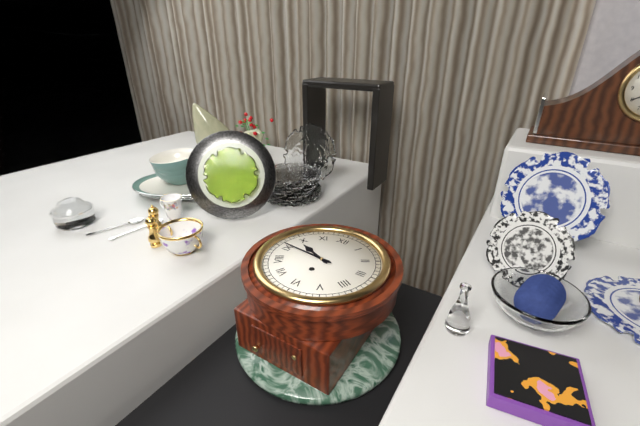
9:46
